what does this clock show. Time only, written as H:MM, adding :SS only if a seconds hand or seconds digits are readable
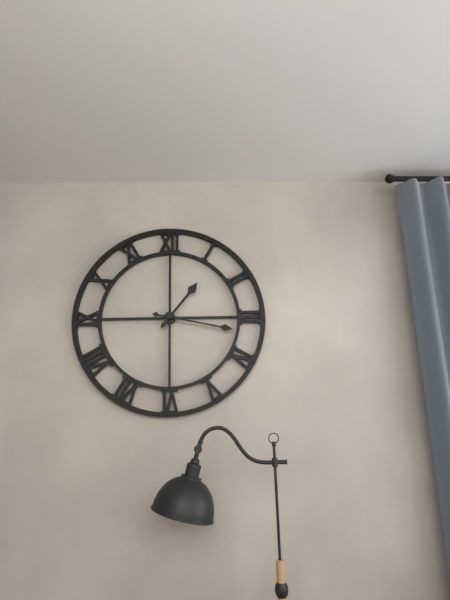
1:17
